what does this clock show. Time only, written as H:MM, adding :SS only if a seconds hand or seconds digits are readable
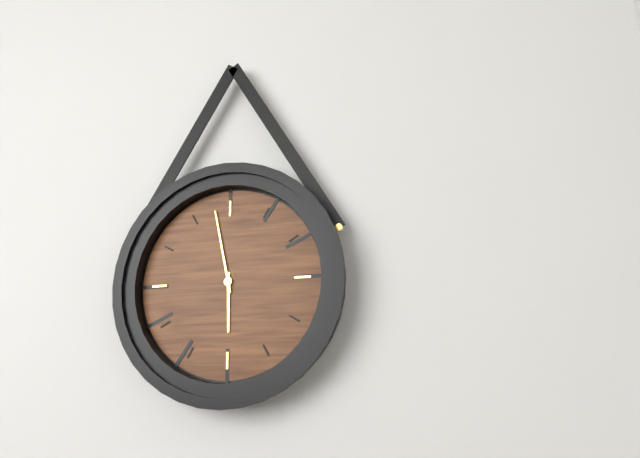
5:58
